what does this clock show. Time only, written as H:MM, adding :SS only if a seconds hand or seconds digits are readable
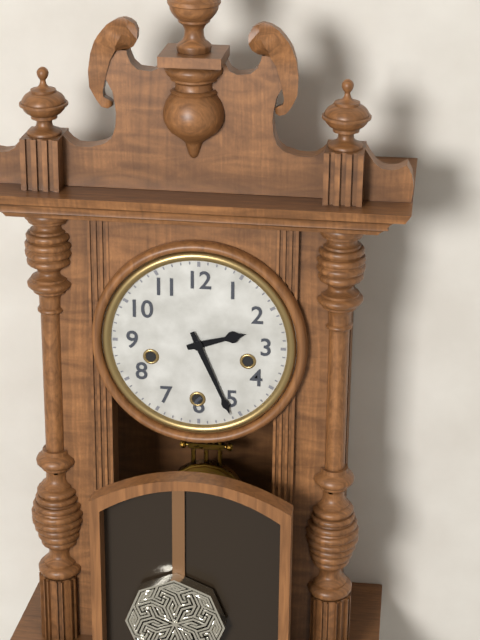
2:26
